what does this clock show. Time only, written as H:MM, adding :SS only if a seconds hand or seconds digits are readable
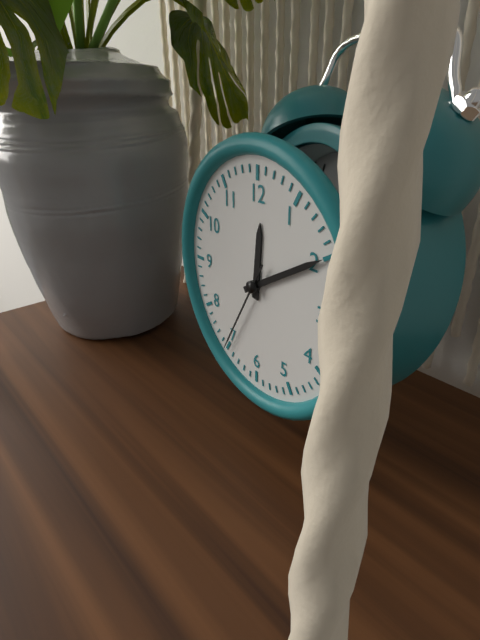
12:10:35
